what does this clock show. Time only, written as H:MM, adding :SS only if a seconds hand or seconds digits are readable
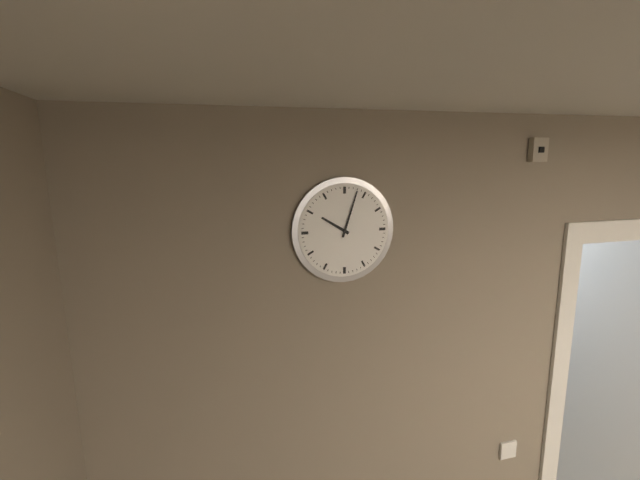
10:03
